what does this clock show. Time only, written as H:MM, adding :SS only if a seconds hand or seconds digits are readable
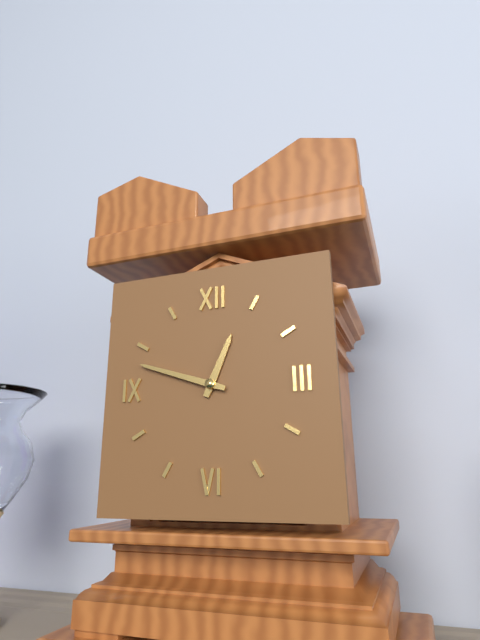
12:48
